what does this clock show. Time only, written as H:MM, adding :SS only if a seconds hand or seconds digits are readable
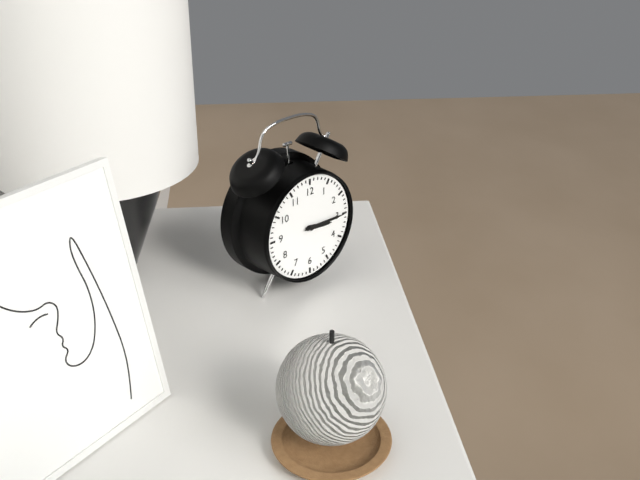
3:15
